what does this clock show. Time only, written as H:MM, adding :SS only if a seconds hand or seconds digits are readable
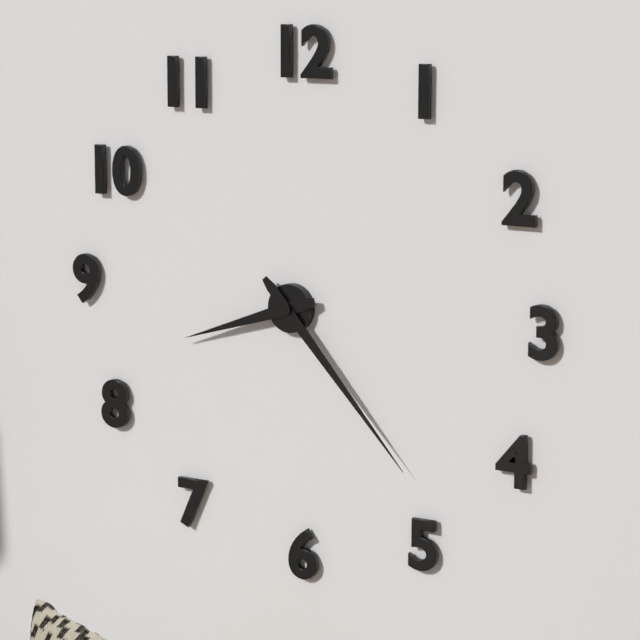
8:23
